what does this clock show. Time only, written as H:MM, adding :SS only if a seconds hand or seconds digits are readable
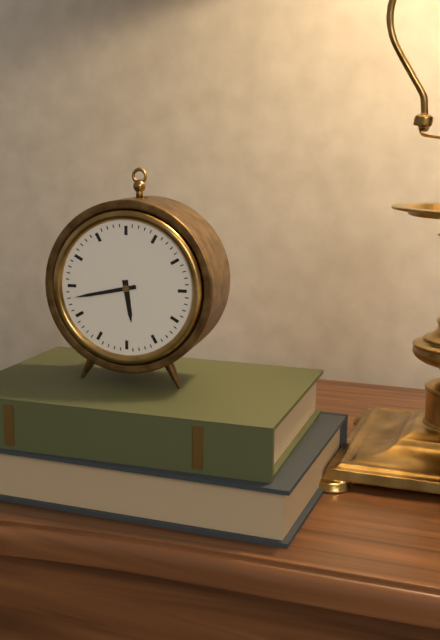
5:43
